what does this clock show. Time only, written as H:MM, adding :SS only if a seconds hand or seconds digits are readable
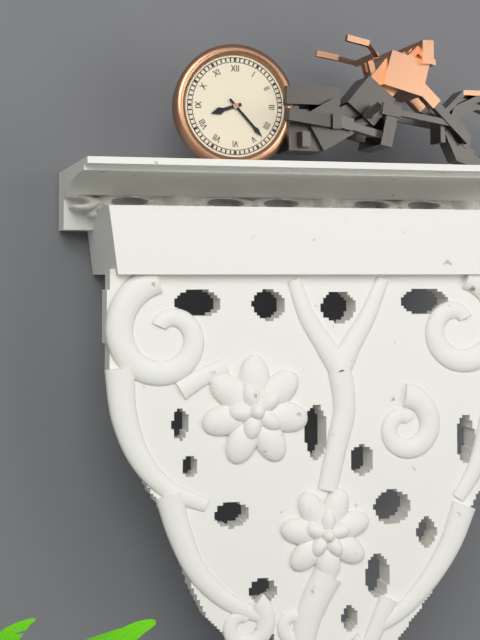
8:23
